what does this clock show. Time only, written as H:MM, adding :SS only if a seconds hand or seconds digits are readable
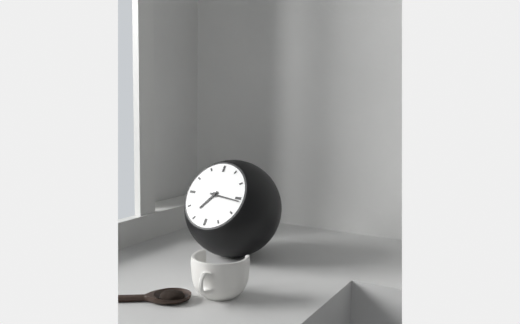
7:16
